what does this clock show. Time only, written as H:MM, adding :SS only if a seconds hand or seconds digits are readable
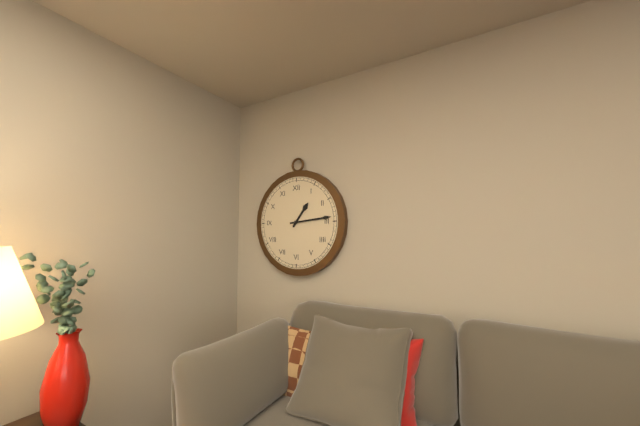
1:14
